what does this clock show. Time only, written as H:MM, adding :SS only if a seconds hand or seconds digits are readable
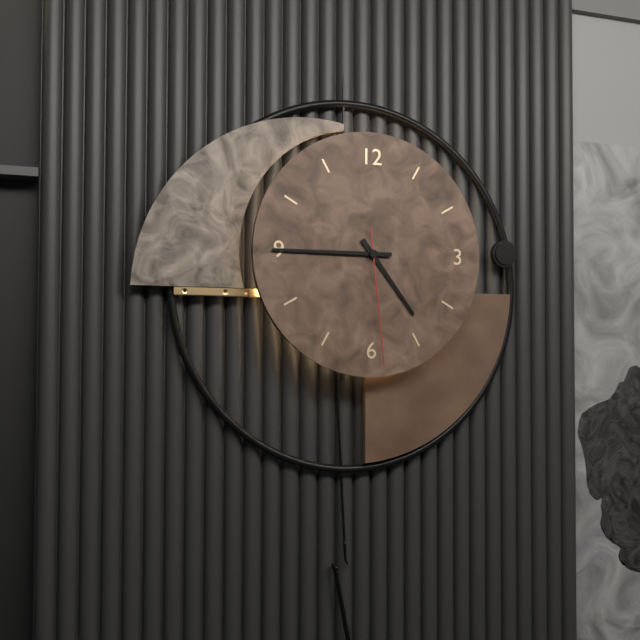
4:45:29
